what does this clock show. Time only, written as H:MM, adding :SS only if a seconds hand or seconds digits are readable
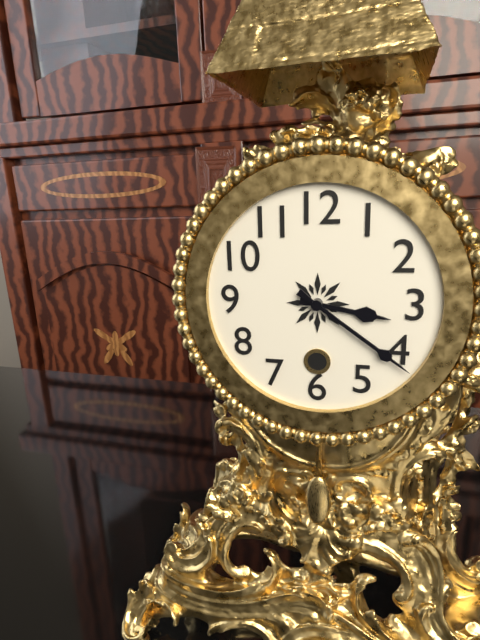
3:21
